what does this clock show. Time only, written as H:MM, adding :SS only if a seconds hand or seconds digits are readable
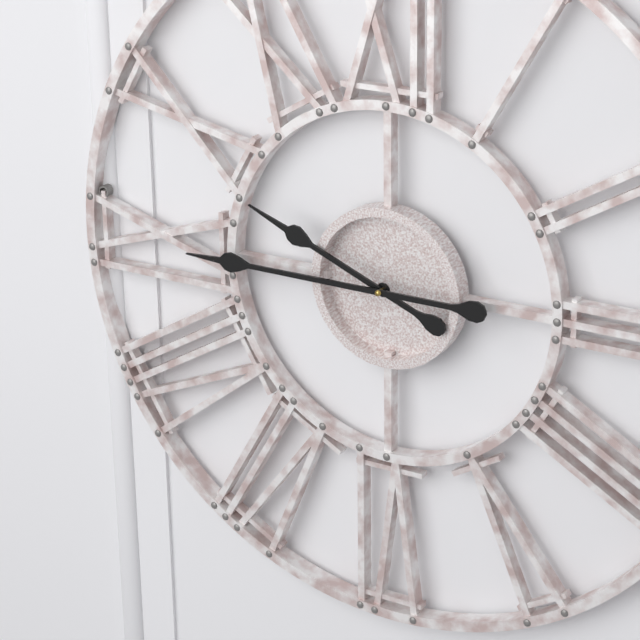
9:45
